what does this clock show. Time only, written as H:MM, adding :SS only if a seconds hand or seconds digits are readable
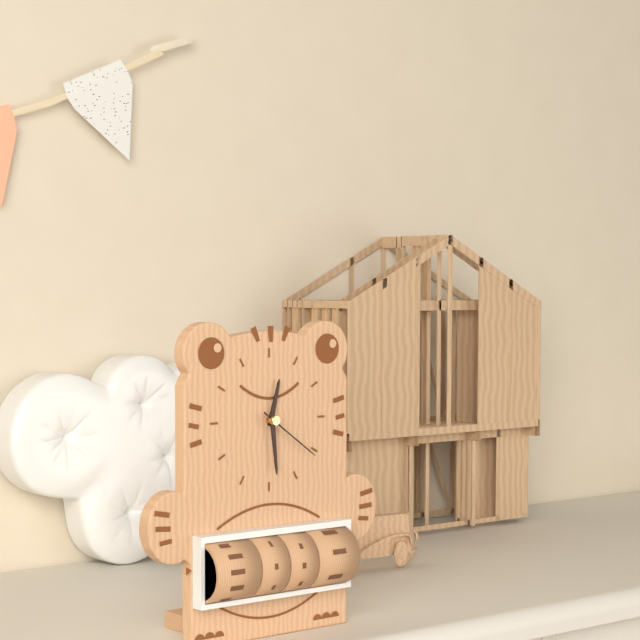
12:29:21
